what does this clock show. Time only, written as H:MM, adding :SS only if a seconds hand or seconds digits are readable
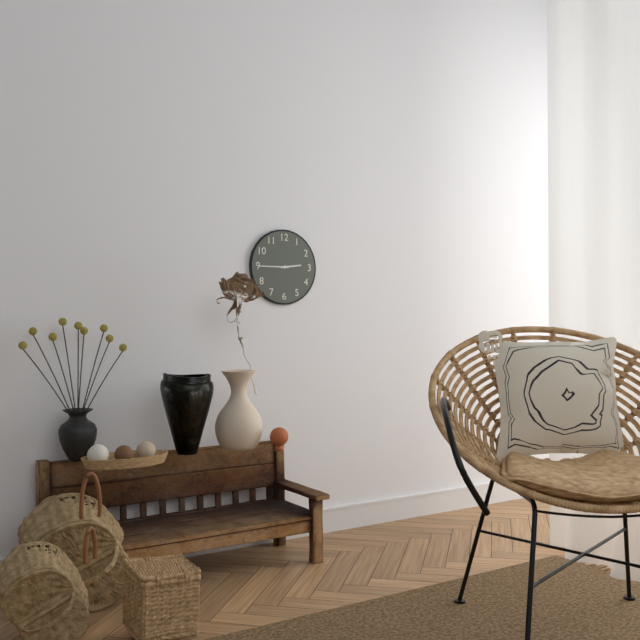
2:45
